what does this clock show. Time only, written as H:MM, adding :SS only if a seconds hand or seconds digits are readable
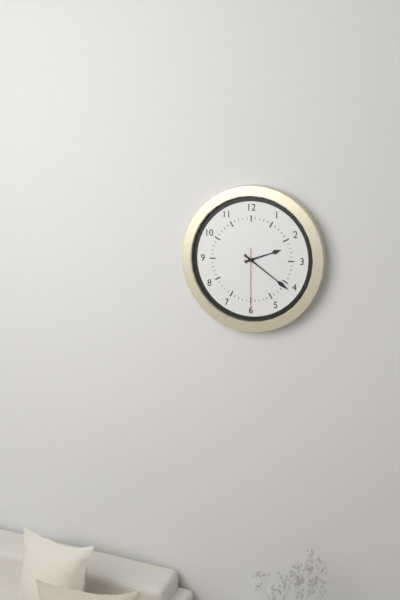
2:21:30
